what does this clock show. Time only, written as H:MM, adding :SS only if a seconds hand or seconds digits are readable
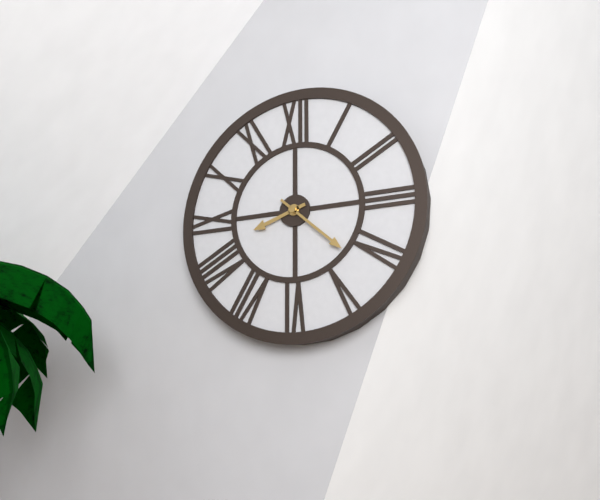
8:22
